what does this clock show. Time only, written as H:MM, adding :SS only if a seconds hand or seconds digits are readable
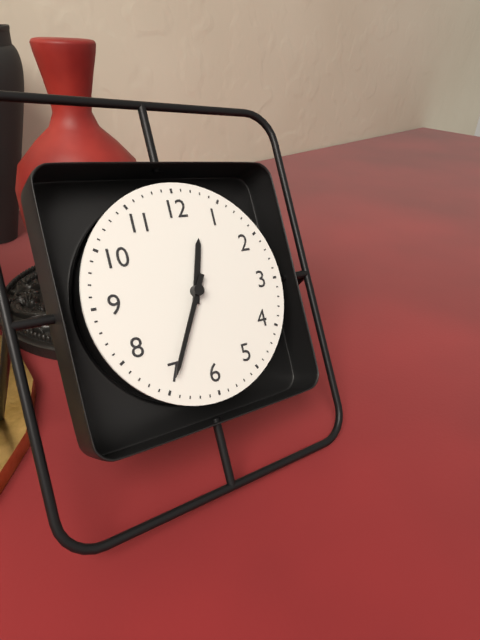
12:35
